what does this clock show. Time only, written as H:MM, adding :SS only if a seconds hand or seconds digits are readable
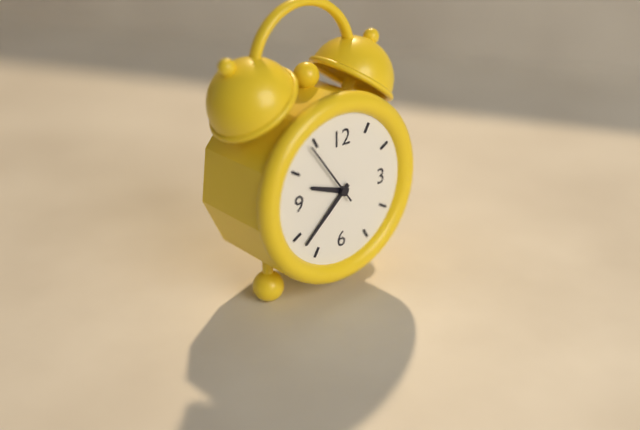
9:38:54
